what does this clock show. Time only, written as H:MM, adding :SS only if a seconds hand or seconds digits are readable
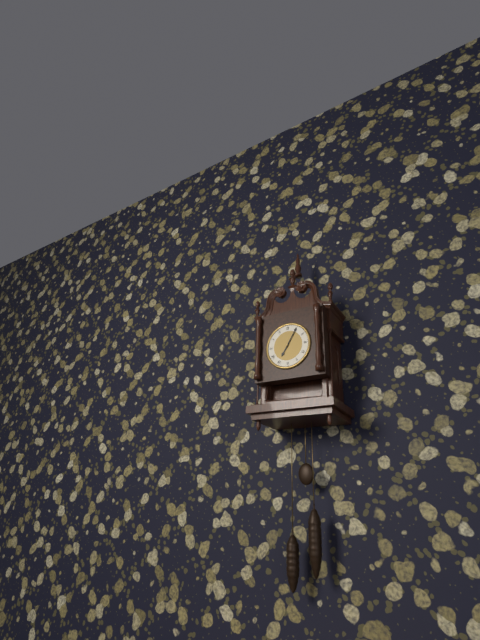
7:05
